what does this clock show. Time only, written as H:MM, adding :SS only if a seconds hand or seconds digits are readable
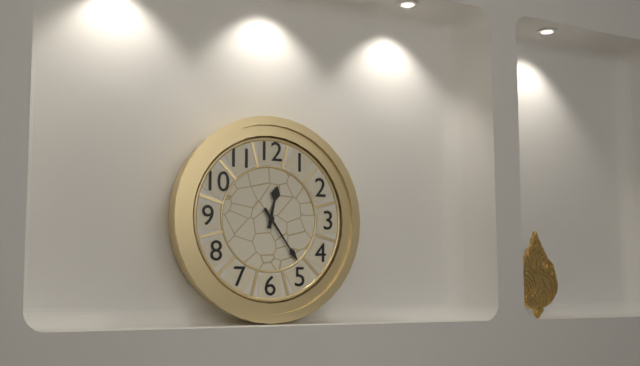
12:24
